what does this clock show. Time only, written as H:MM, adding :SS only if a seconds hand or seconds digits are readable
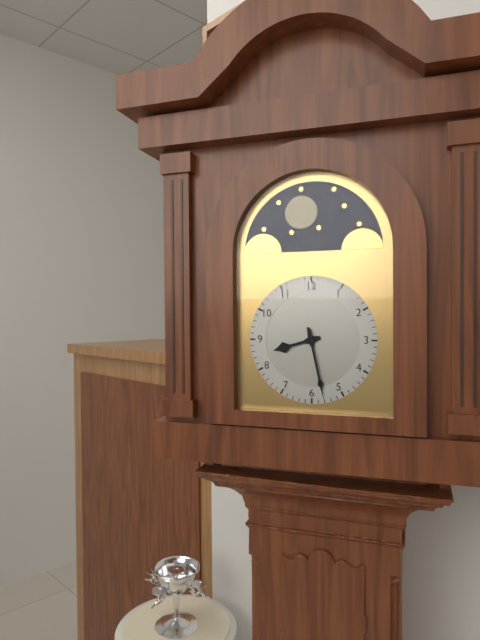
8:28
